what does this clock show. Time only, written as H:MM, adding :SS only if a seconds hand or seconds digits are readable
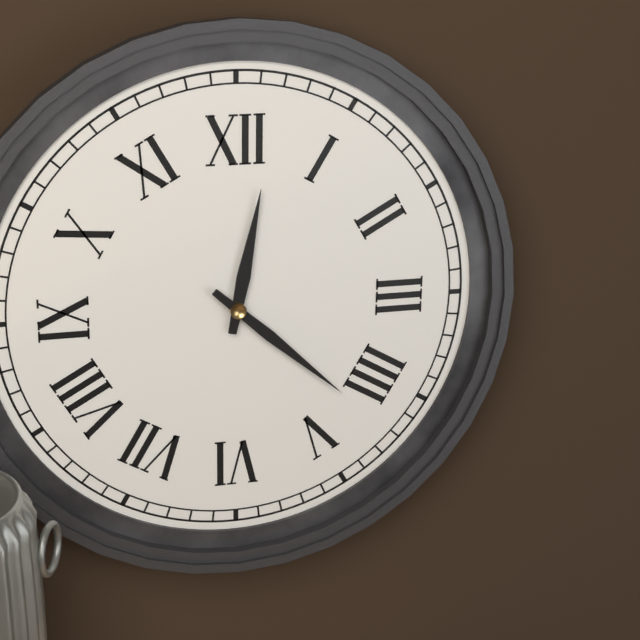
12:22
